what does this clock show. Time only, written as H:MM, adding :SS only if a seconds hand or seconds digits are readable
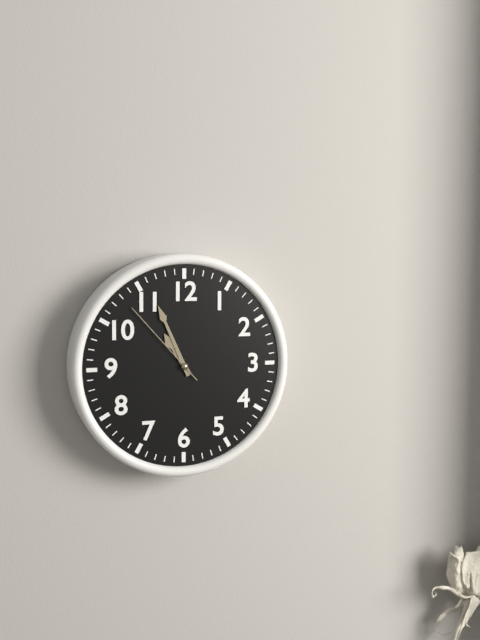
10:56:53
